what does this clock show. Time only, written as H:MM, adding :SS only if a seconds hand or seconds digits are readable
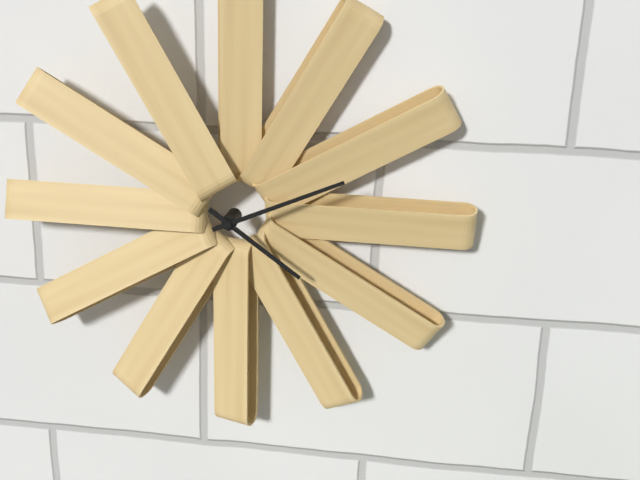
4:11
